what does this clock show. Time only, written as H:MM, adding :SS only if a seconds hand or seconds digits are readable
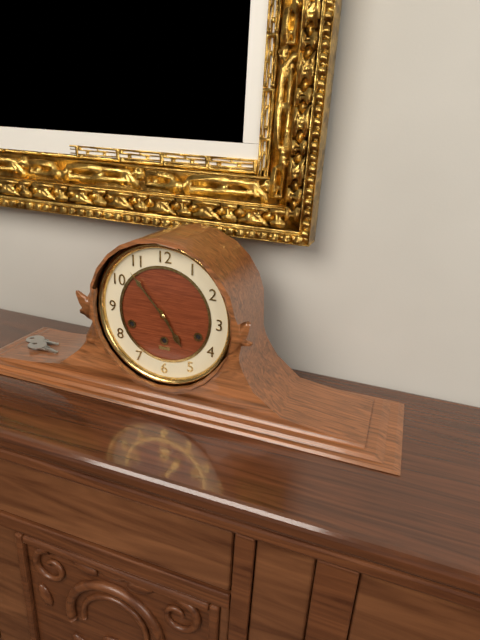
4:53
